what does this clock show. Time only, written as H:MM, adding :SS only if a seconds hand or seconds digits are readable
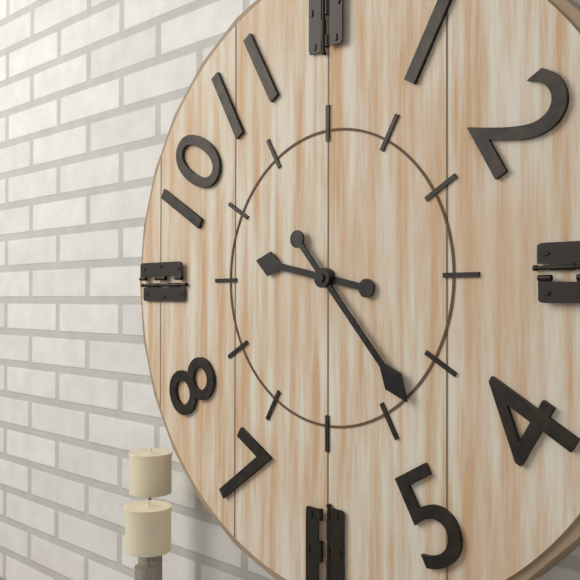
9:23
